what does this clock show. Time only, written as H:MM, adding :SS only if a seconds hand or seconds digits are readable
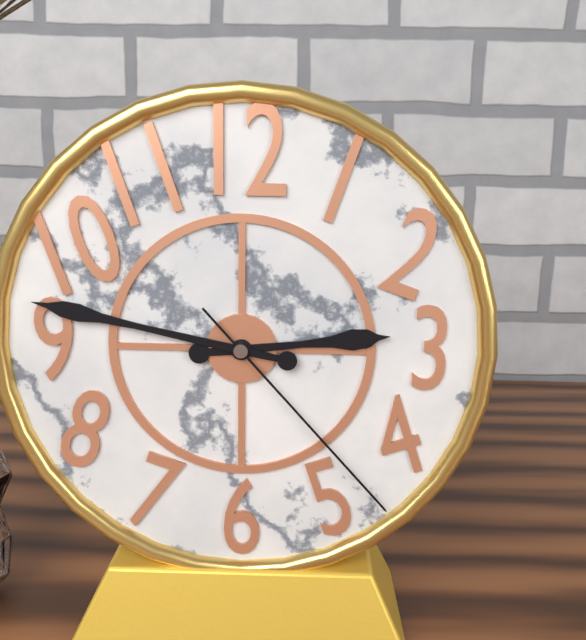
2:47:23
